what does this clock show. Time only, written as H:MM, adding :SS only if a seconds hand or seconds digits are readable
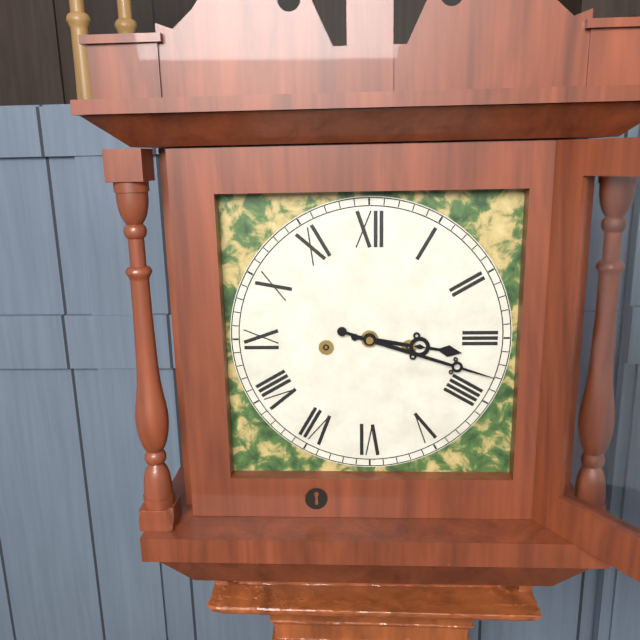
3:18
